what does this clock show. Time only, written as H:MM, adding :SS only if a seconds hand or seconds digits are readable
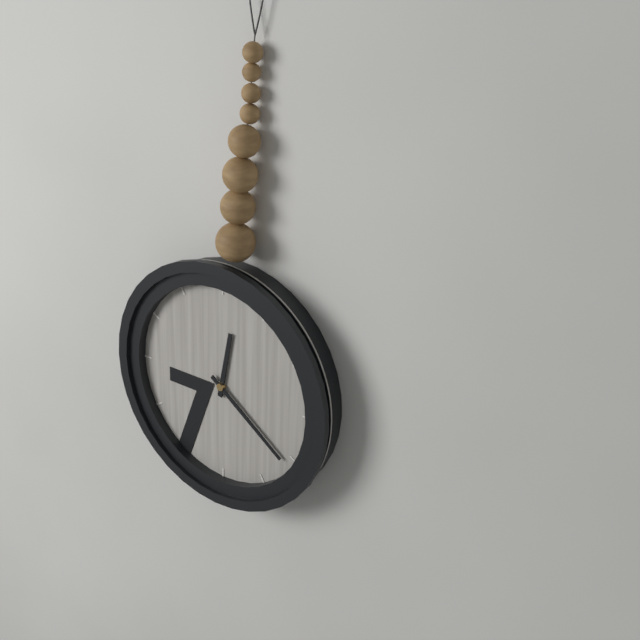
12:21
